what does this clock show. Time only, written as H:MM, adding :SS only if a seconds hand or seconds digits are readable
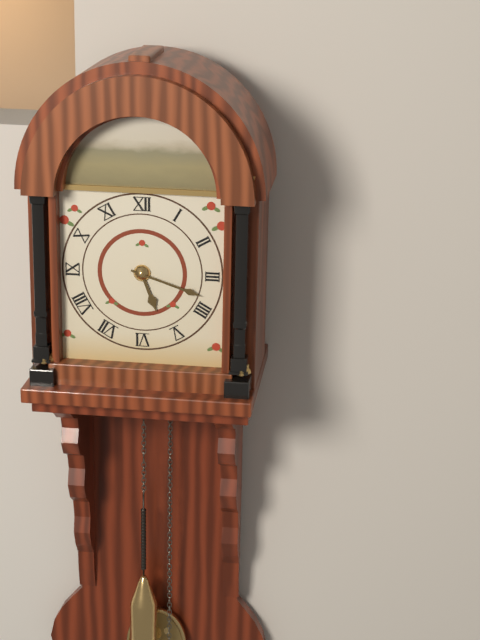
5:18
